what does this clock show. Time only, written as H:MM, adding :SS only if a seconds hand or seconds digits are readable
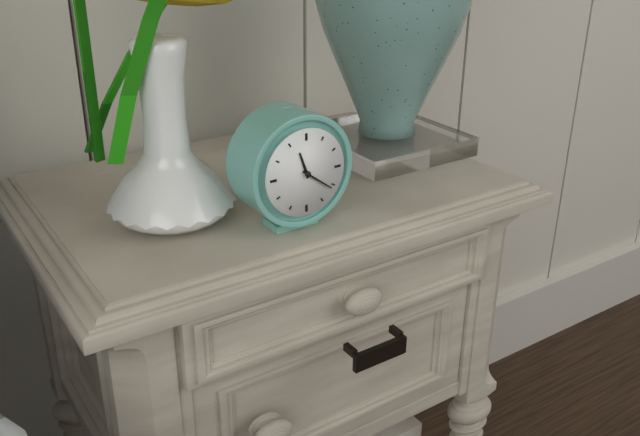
11:21
